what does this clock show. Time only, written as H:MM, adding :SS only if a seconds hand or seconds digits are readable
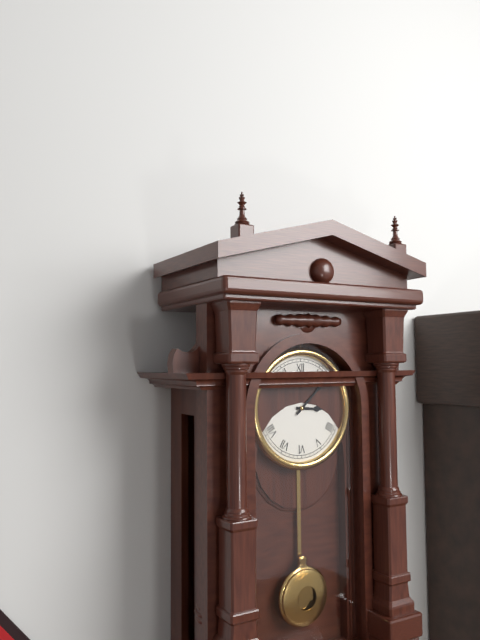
3:08
